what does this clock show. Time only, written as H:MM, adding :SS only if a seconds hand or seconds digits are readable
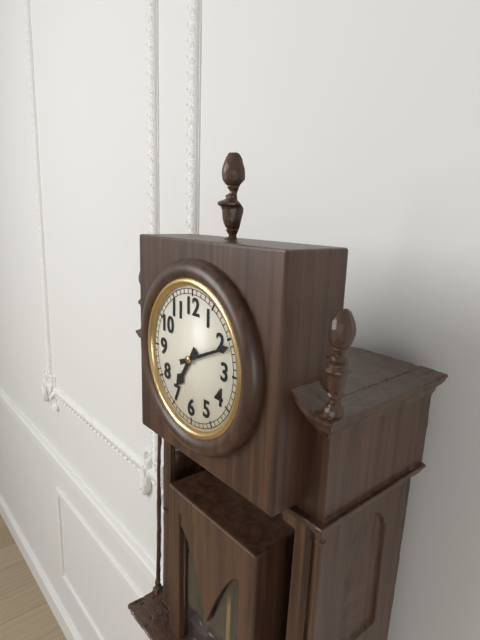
7:11
